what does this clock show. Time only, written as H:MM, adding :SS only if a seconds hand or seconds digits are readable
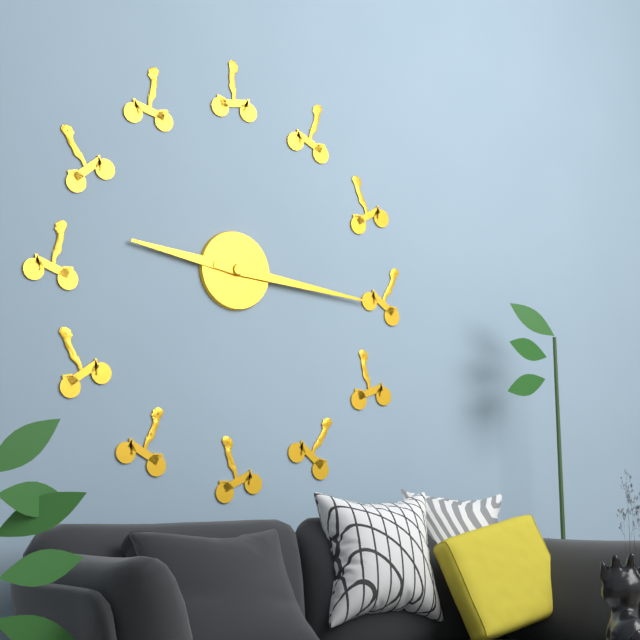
9:16
